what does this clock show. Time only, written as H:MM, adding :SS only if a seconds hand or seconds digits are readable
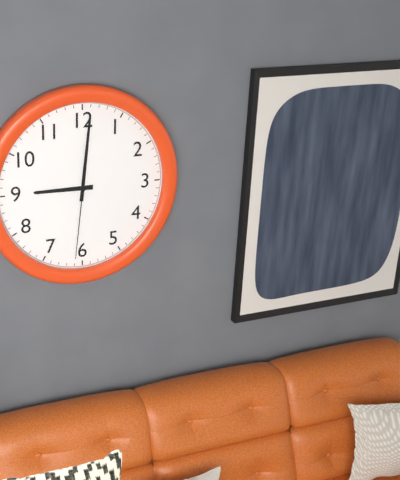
9:01:31
